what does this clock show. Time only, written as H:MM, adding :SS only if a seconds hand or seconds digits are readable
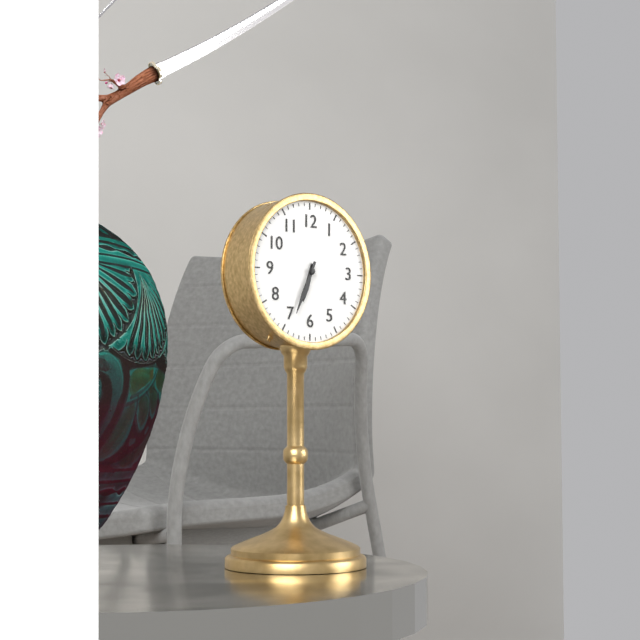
6:34
